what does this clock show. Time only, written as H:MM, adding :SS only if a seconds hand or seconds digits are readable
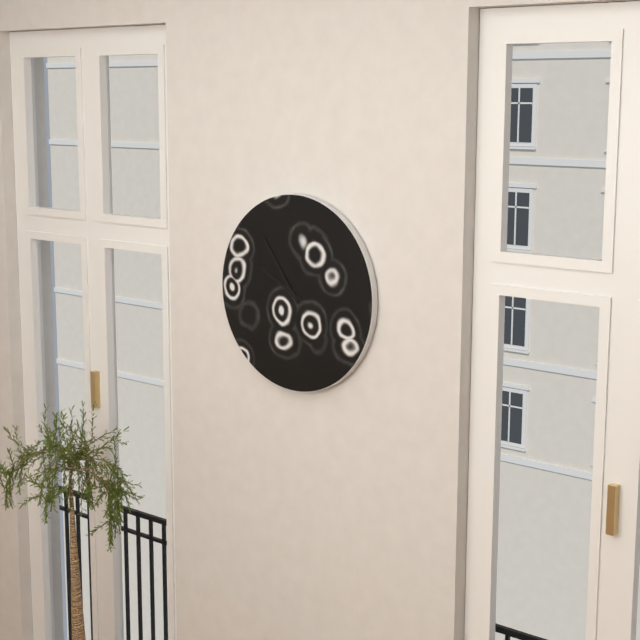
9:54
